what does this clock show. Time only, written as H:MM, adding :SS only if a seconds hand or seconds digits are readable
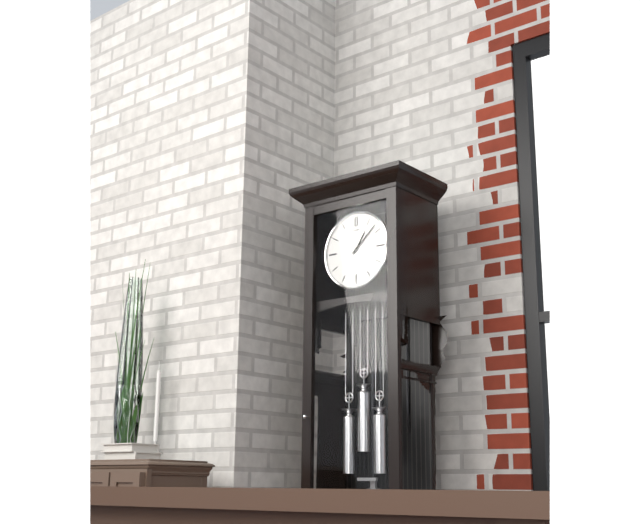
1:08
